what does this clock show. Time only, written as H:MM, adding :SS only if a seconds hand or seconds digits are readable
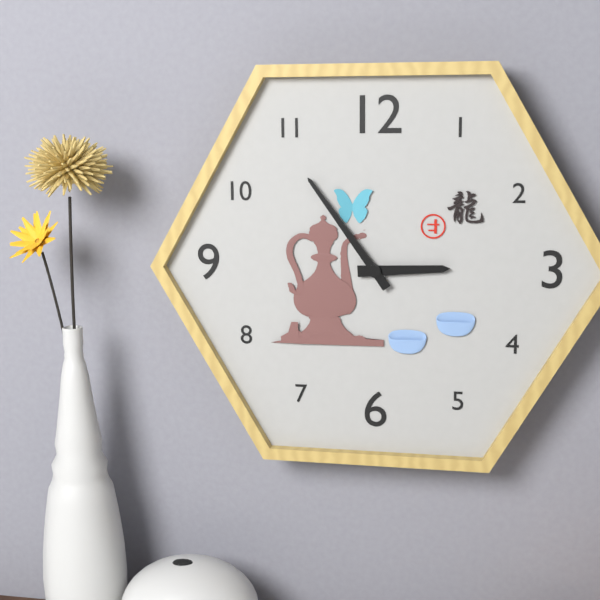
2:54
